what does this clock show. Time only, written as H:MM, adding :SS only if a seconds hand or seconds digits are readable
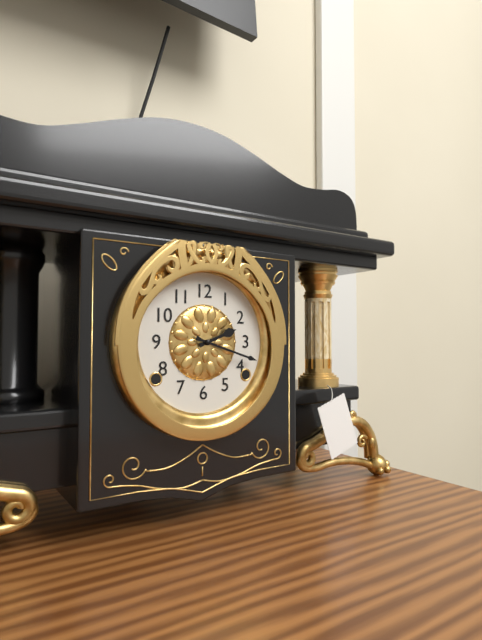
2:18
